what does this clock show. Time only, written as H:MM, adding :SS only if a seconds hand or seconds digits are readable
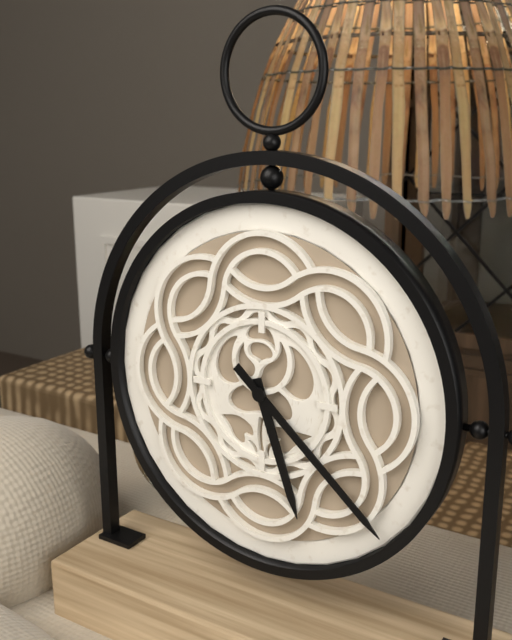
5:22
